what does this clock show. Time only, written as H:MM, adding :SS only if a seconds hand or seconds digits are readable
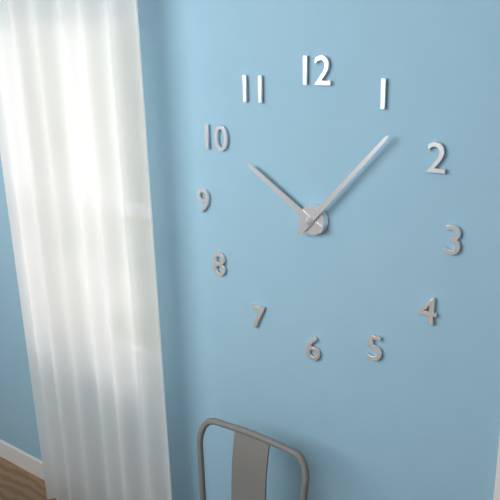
10:07
